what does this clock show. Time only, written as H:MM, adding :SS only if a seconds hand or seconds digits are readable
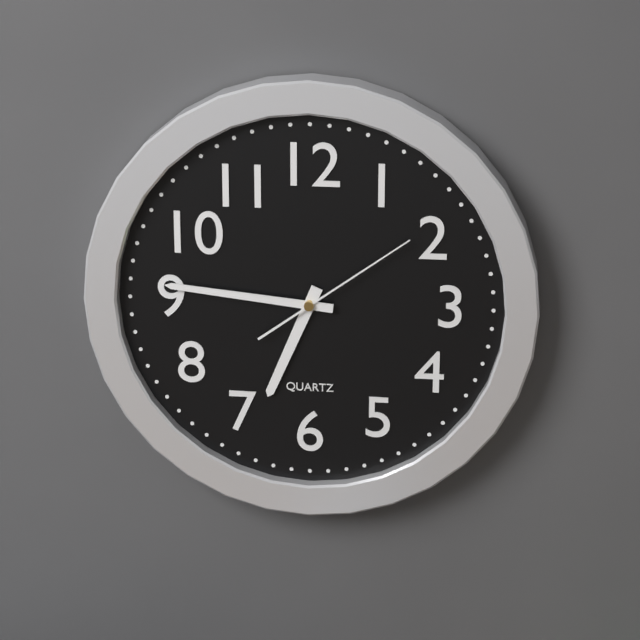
6:46:09
